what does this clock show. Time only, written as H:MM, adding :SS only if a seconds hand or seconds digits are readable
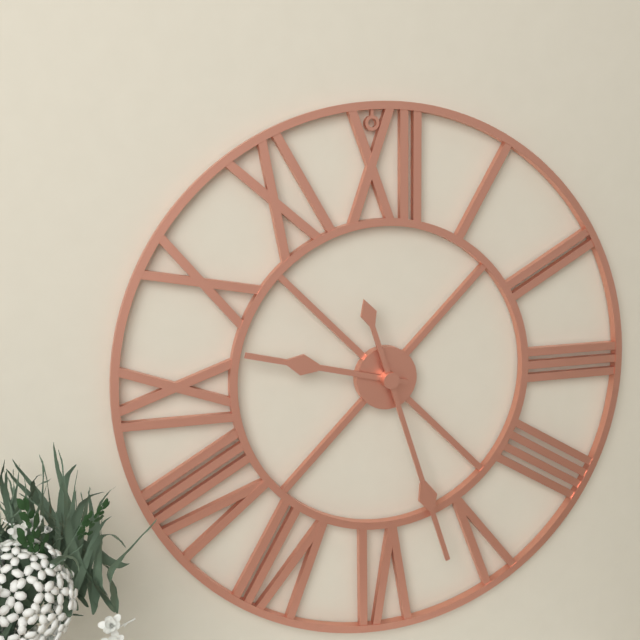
9:27
